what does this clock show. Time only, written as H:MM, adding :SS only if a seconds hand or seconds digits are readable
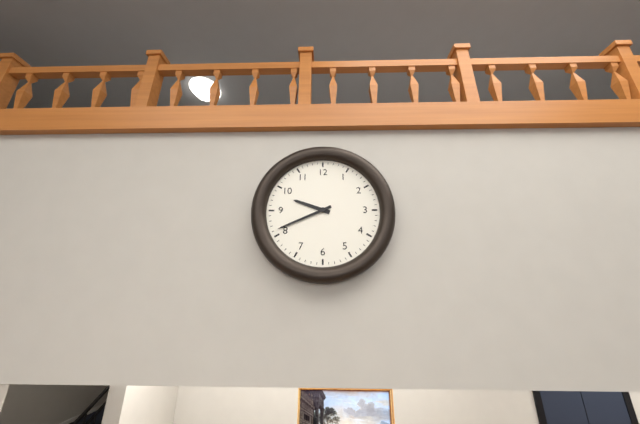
9:41
